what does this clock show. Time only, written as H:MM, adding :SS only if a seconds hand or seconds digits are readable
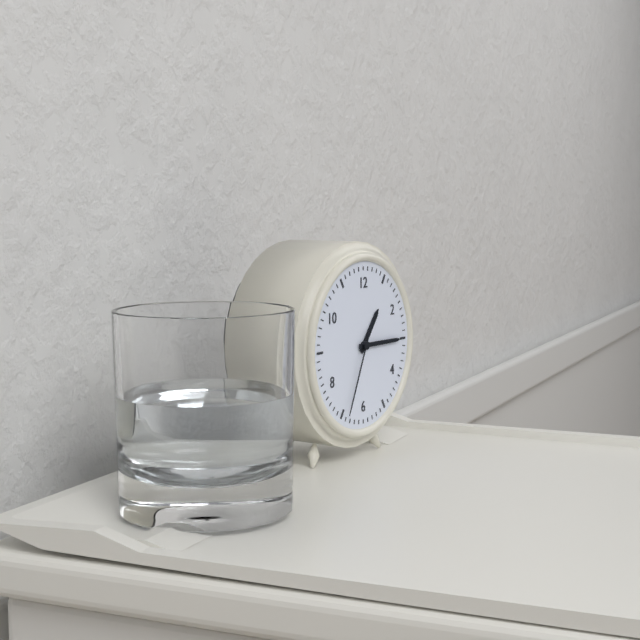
1:15:34
